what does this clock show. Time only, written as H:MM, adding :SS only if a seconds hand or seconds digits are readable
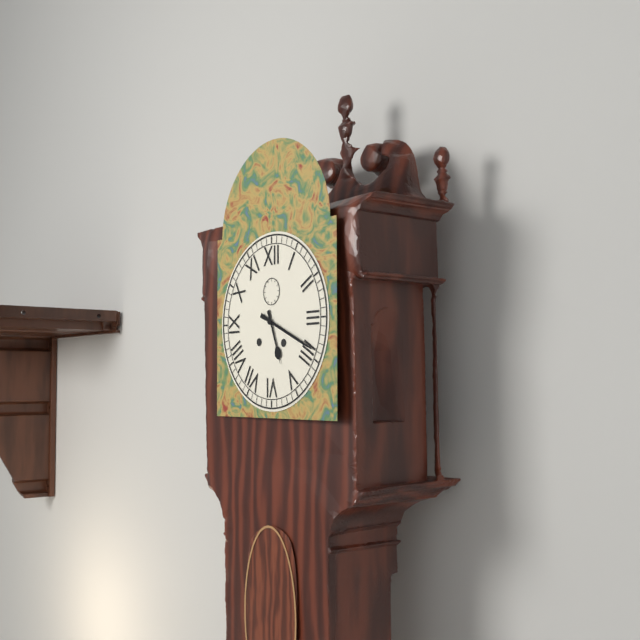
5:19
